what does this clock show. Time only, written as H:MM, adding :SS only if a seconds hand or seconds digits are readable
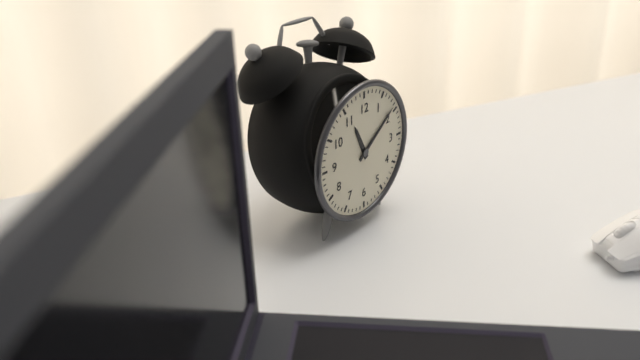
11:09
